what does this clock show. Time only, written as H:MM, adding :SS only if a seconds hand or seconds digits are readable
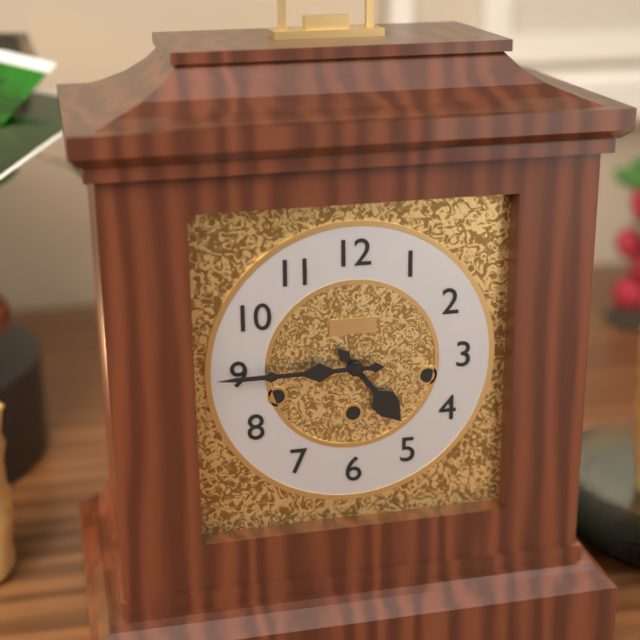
4:45
